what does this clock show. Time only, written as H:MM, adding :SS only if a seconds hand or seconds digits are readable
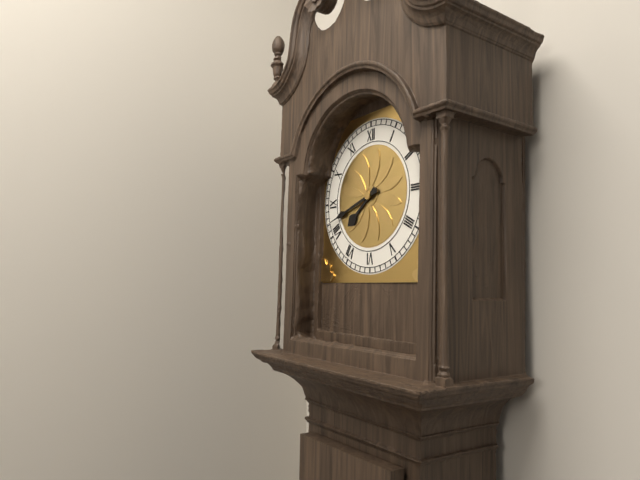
7:42
